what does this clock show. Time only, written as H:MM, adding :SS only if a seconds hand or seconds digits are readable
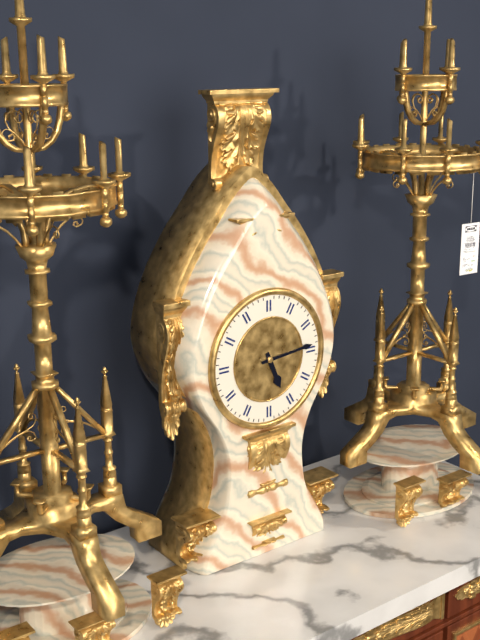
5:14
